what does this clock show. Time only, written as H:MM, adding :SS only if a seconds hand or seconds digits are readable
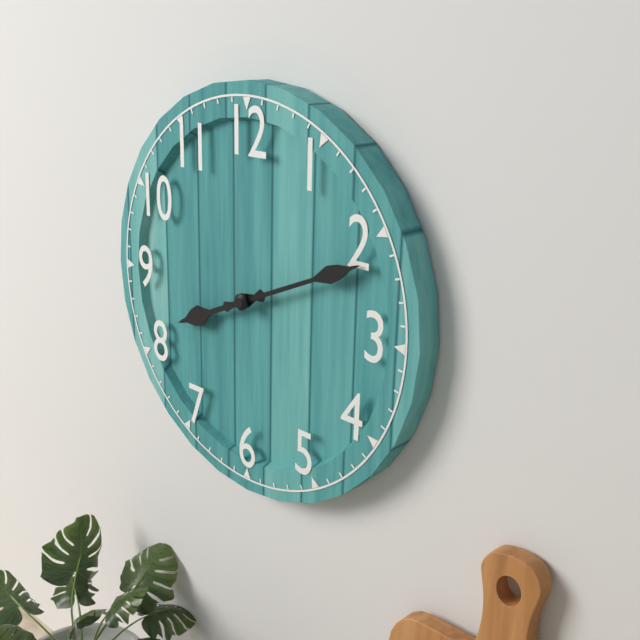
8:11
